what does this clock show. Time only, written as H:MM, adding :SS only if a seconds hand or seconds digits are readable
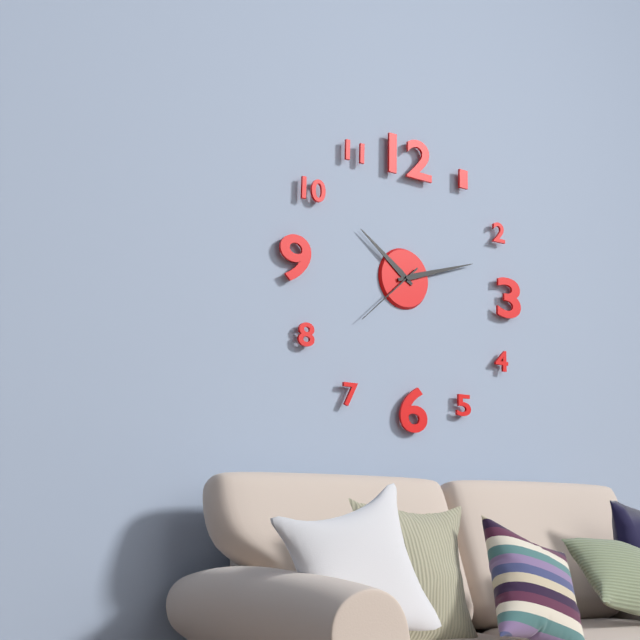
10:12:38
